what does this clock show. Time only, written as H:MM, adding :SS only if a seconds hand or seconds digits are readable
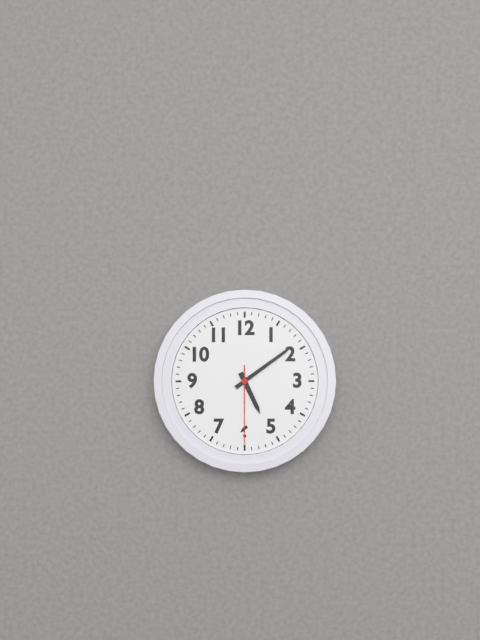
5:09:30
